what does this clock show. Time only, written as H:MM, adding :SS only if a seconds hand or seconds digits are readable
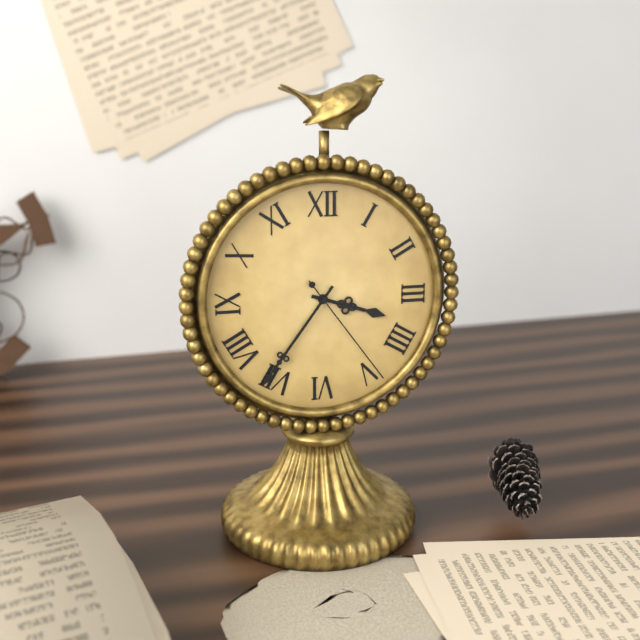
3:36:24
